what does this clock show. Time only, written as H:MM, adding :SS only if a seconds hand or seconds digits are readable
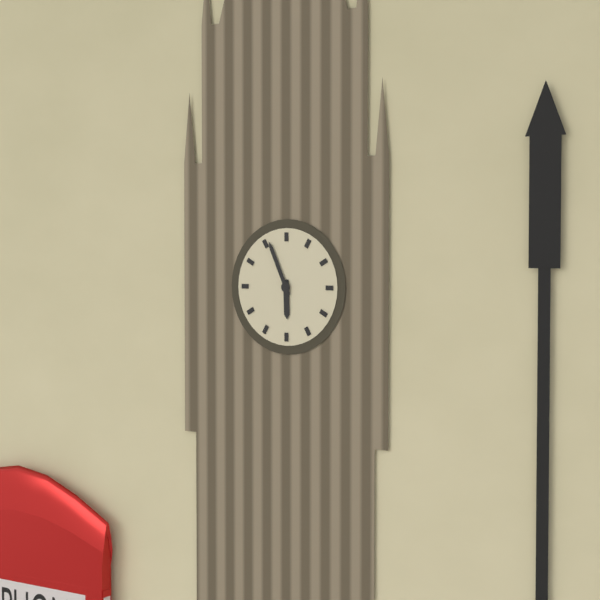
5:56
